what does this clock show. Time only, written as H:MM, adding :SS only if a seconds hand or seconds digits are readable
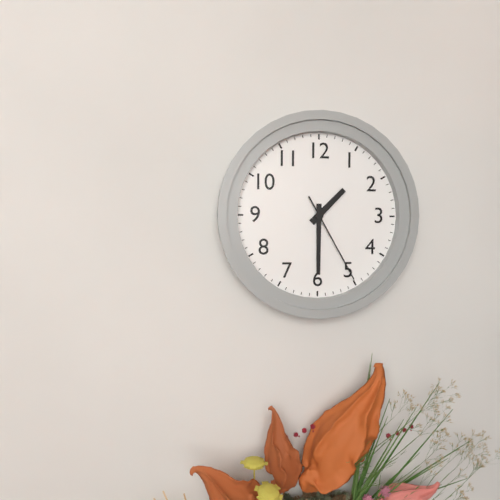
1:30:25
